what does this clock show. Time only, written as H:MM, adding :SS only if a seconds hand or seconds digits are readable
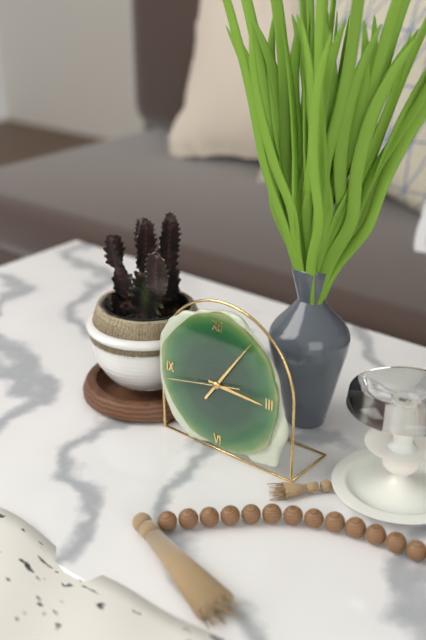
3:06:43
